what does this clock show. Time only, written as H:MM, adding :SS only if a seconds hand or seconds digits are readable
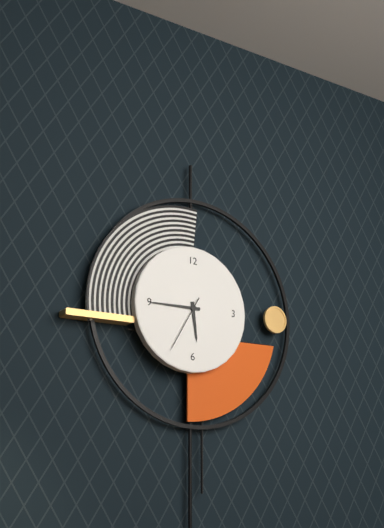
5:45:35
